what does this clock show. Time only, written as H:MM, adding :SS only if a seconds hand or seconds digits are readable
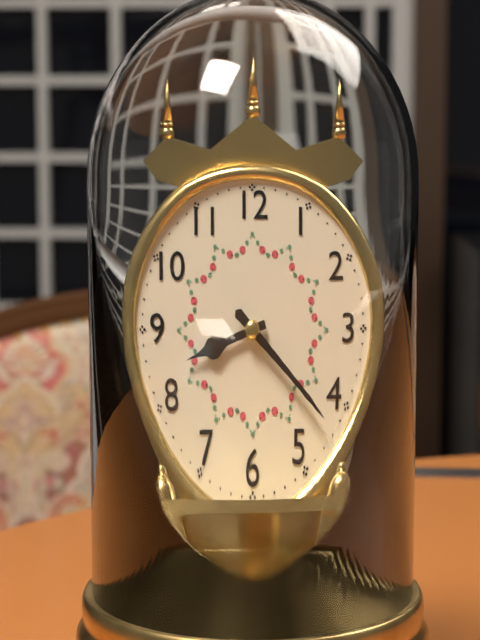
8:22
